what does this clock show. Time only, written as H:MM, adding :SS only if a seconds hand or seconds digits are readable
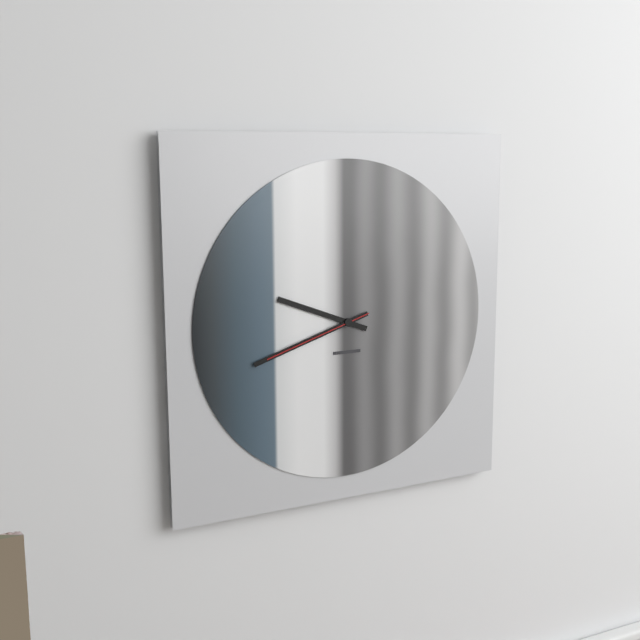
9:42:42
